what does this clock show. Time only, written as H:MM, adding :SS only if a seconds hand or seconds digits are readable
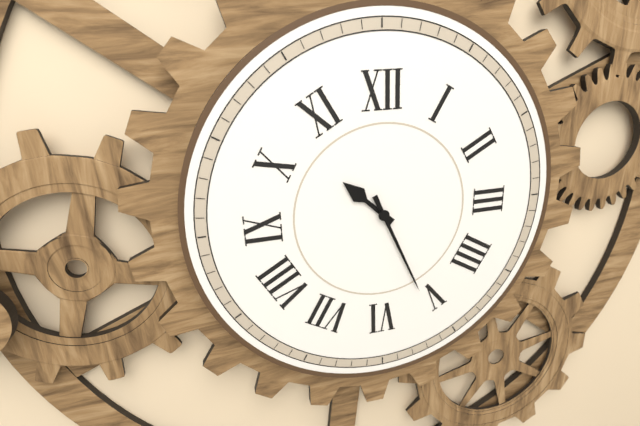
10:26
